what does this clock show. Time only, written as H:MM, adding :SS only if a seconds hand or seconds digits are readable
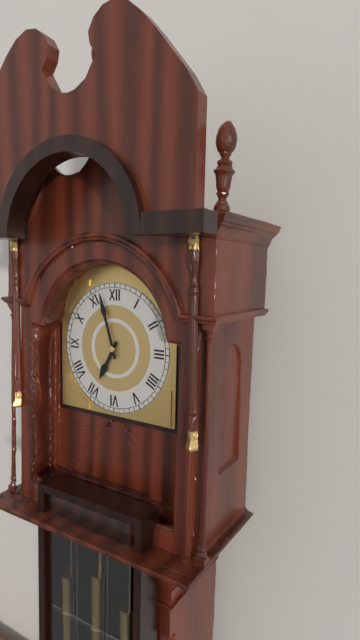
6:57
